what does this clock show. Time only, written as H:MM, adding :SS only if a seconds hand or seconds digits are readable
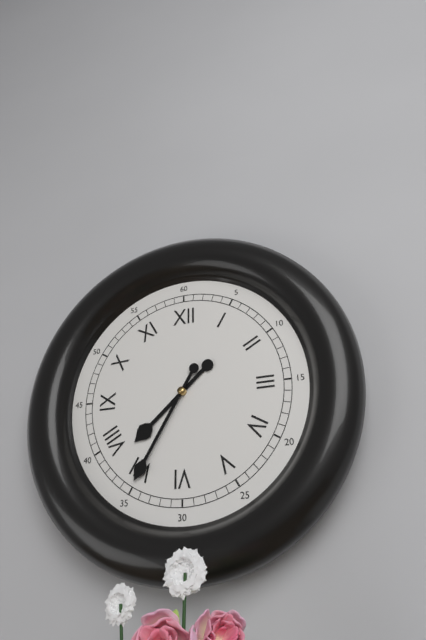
7:35
